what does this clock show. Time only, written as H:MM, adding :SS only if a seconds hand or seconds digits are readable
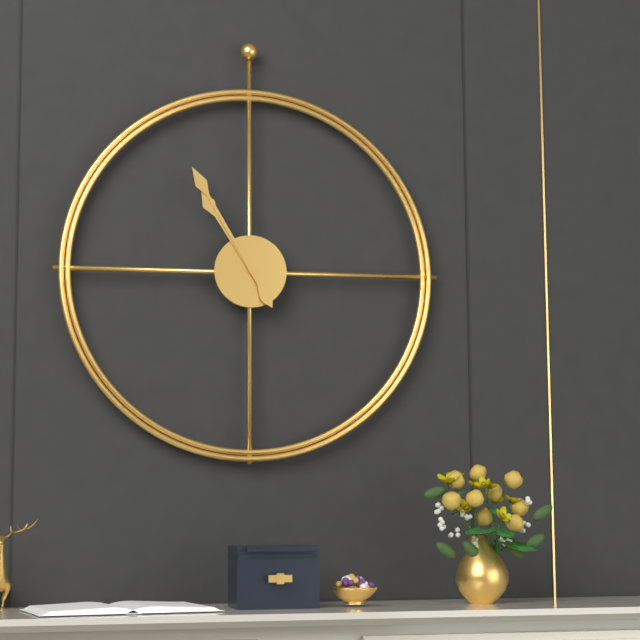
10:55
